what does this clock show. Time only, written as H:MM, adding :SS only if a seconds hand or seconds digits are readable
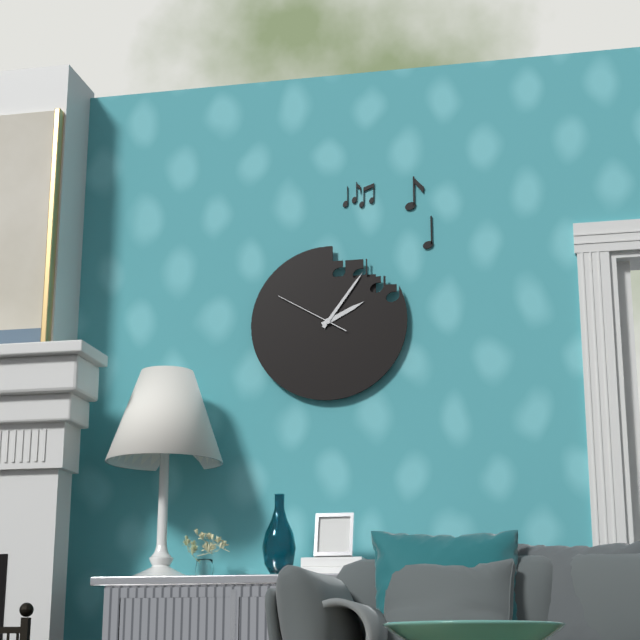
2:06:50
